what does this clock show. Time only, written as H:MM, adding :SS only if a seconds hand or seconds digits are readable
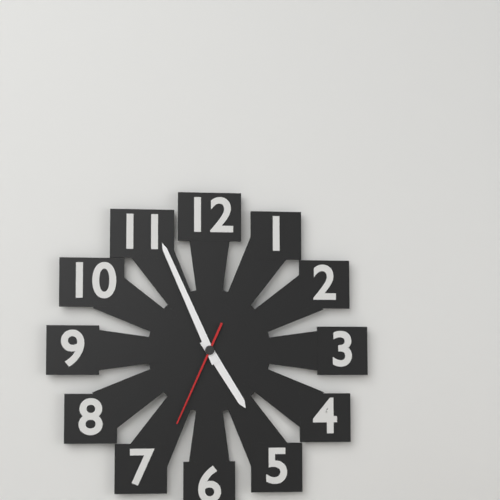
4:56:34
